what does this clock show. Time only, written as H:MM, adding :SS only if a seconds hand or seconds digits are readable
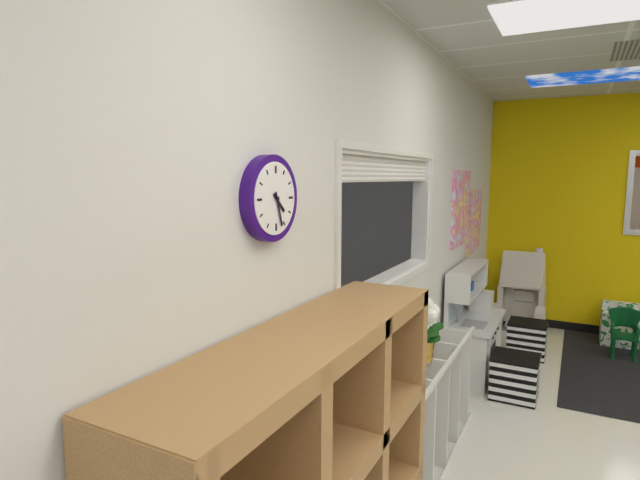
4:27
